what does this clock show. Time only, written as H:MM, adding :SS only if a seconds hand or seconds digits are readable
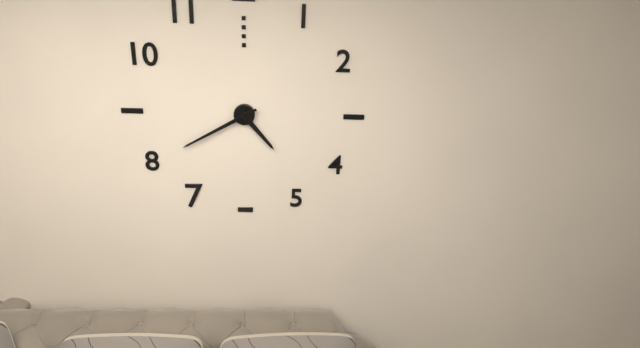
4:40
